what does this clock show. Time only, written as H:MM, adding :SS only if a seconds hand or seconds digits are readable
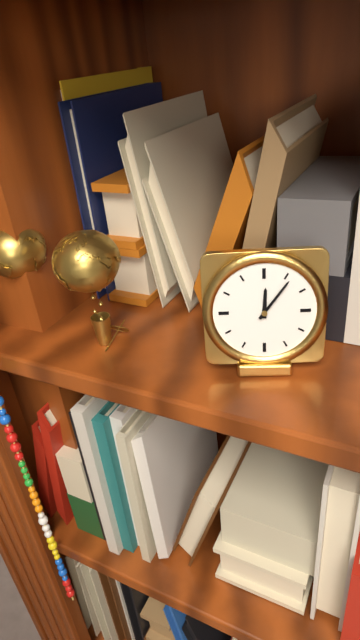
12:06
